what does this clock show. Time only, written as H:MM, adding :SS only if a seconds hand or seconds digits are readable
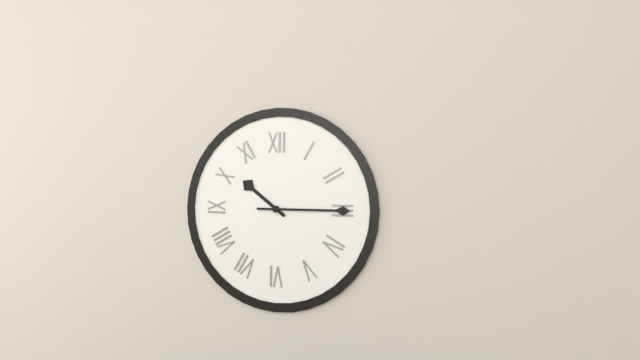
10:15
